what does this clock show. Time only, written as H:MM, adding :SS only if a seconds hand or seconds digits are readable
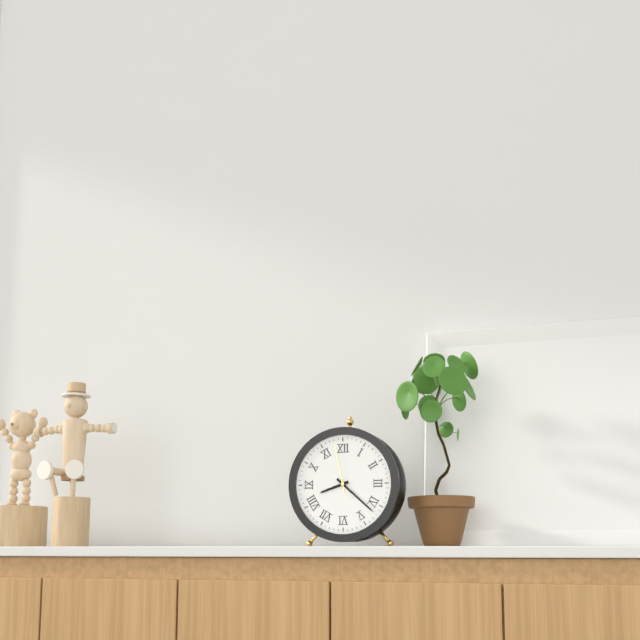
8:22:58
